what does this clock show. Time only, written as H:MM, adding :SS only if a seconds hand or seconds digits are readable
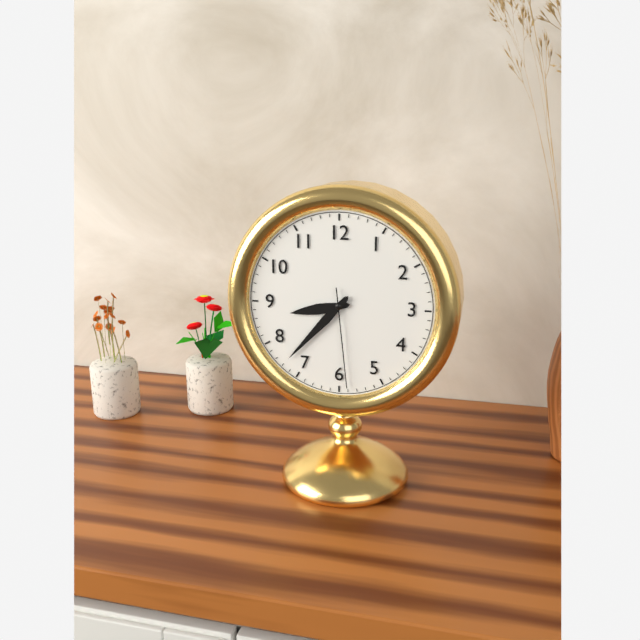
8:37:29
